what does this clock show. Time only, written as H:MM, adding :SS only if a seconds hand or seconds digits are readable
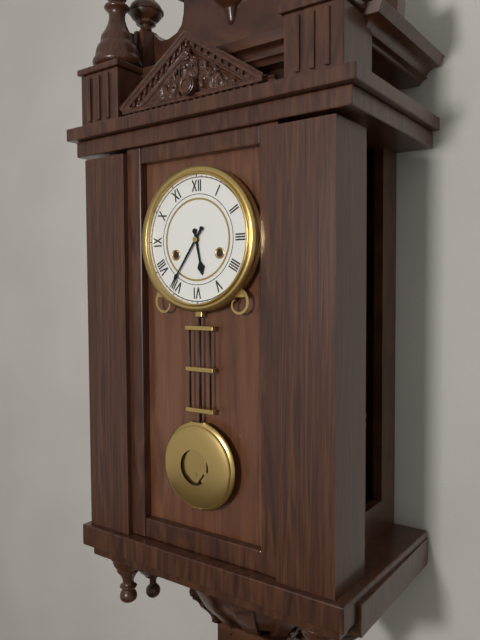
5:36
